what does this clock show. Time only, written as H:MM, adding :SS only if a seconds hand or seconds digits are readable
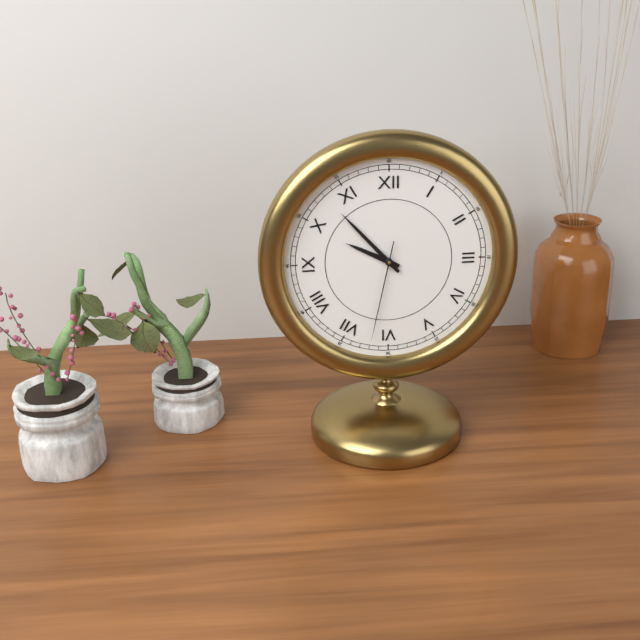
9:53:32
